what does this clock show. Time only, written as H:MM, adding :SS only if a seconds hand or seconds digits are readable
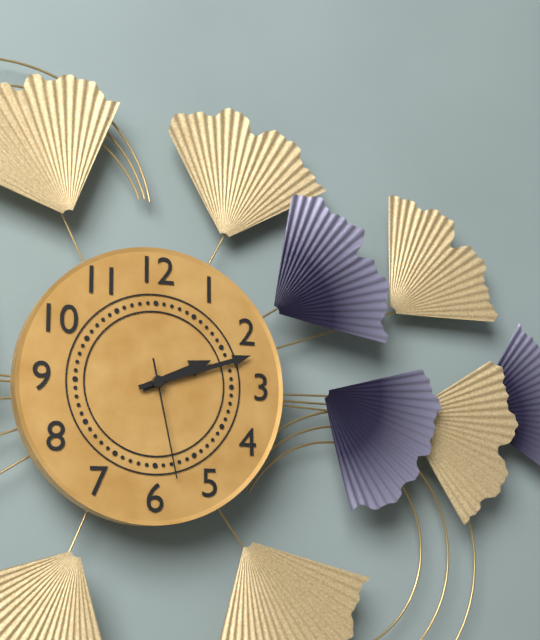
2:12:28
